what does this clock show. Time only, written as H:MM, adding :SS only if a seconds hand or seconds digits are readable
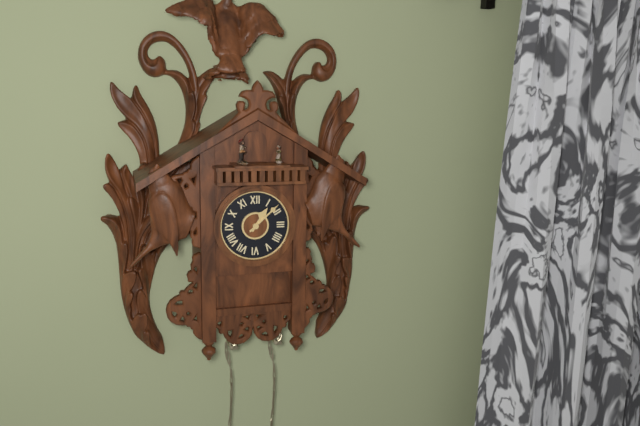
1:08
